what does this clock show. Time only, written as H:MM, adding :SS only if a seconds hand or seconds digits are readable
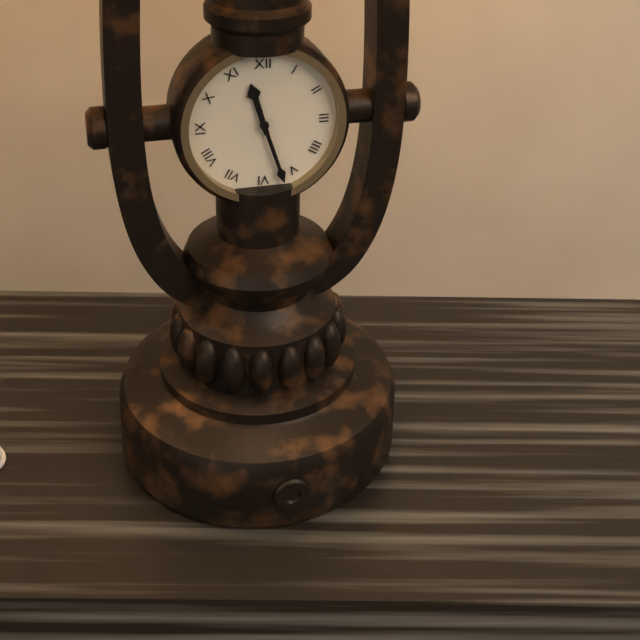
11:27
